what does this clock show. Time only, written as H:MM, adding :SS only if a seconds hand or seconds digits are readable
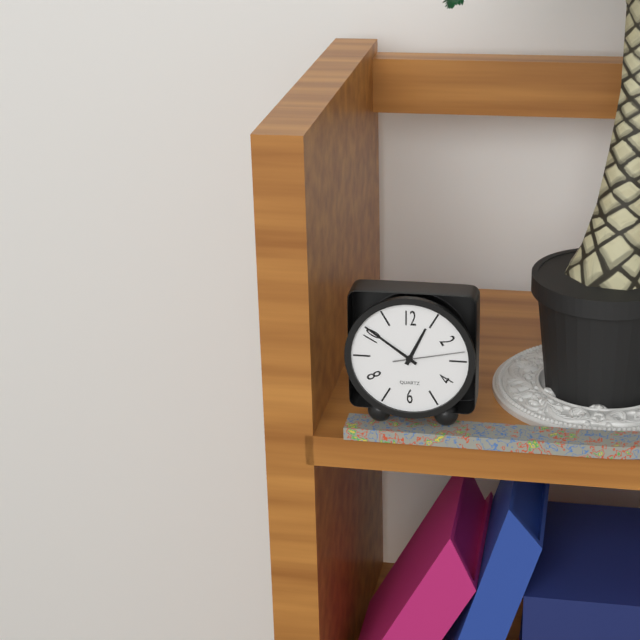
12:51:13
